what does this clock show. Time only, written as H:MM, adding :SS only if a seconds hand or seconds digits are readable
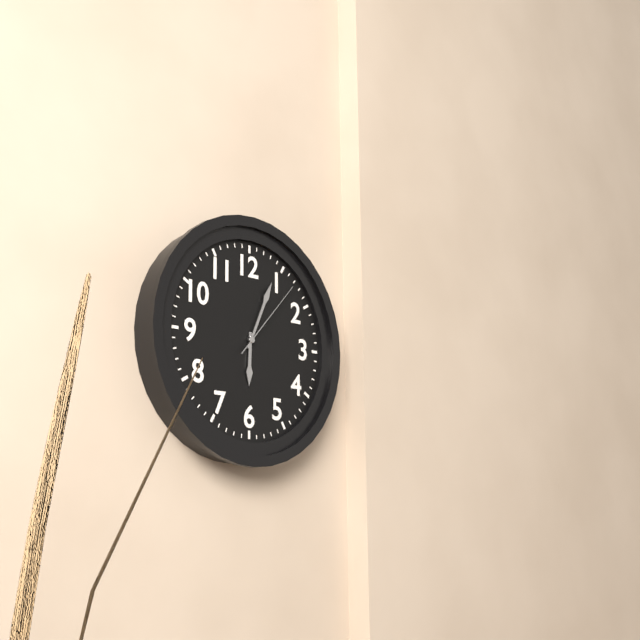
6:04:07
